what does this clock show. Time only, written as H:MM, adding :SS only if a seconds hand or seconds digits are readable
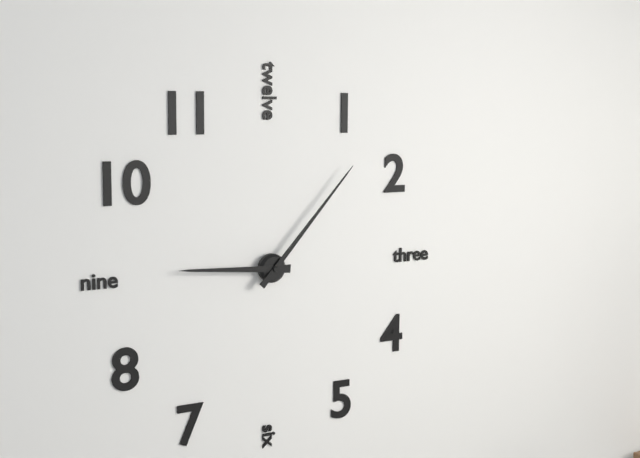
9:07
